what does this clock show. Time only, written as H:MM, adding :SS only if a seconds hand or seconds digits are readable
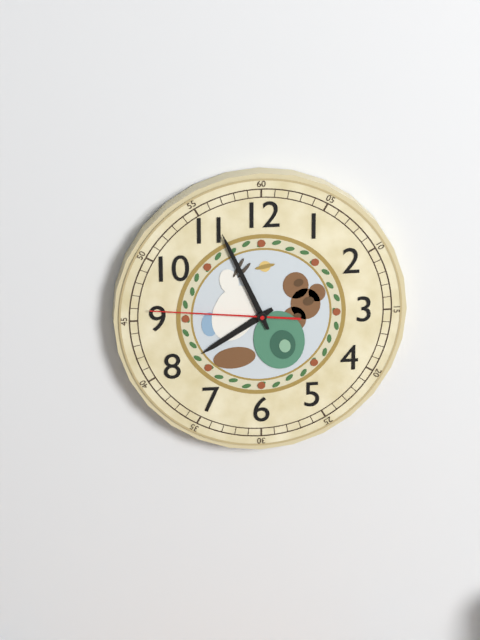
7:56:46
